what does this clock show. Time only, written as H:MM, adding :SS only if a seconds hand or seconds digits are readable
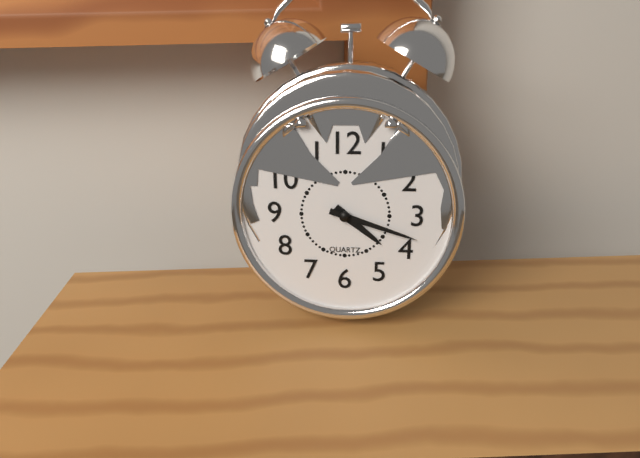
4:18
